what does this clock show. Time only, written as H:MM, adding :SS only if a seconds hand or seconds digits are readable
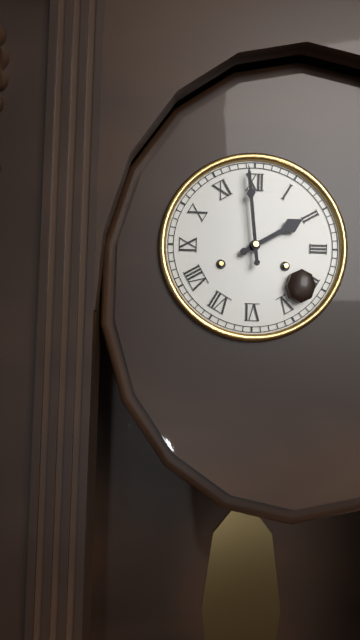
1:59
